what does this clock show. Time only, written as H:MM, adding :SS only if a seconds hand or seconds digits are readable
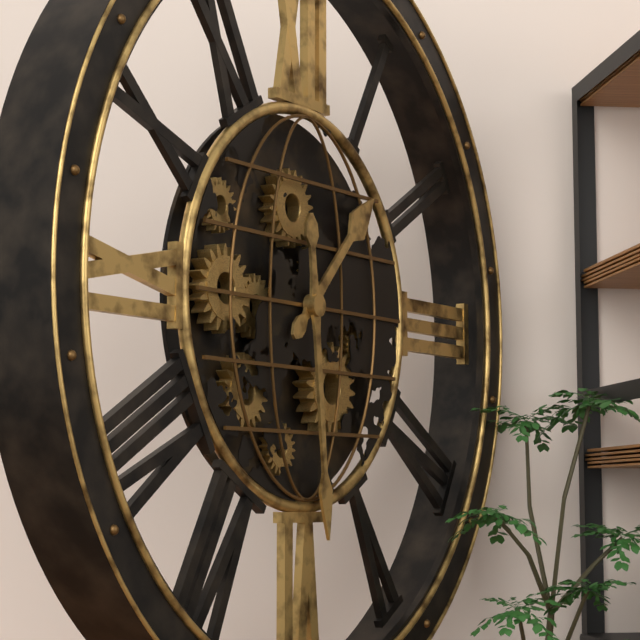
1:29
